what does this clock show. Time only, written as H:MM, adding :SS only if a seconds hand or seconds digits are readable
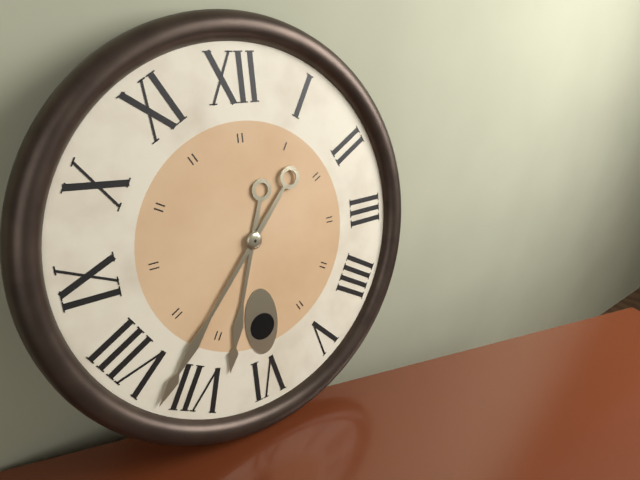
6:37
